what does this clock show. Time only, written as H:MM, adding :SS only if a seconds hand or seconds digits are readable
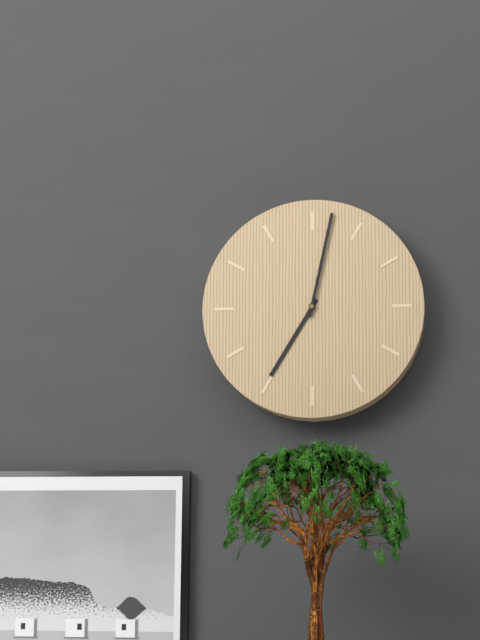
7:02
